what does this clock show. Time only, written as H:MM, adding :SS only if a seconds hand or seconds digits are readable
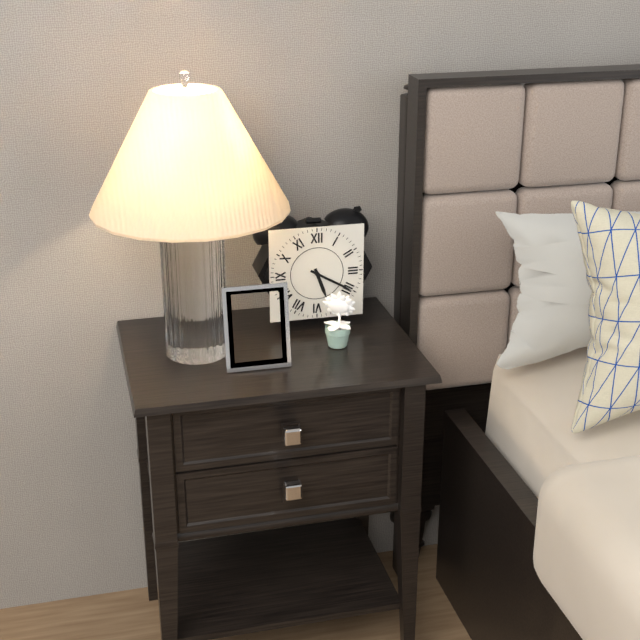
5:20
